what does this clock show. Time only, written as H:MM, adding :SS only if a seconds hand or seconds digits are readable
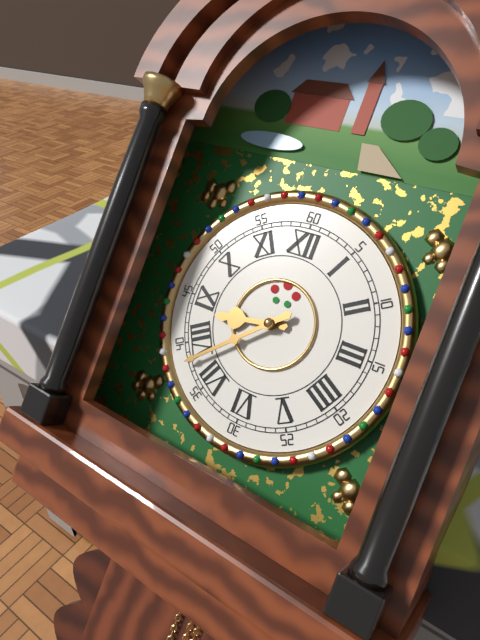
8:38
